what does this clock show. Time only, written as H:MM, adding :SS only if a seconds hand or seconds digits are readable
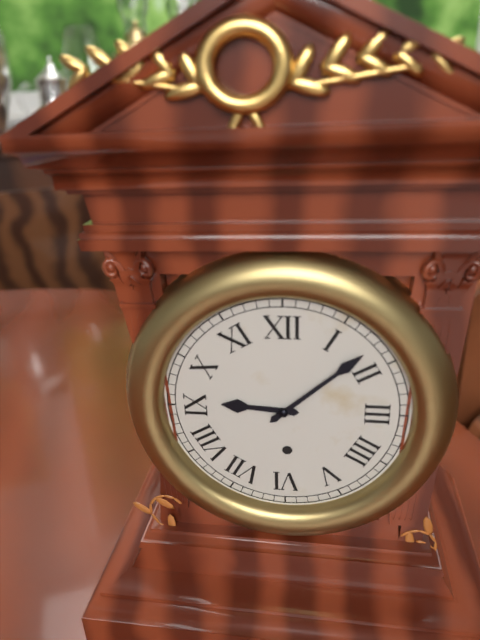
9:08
